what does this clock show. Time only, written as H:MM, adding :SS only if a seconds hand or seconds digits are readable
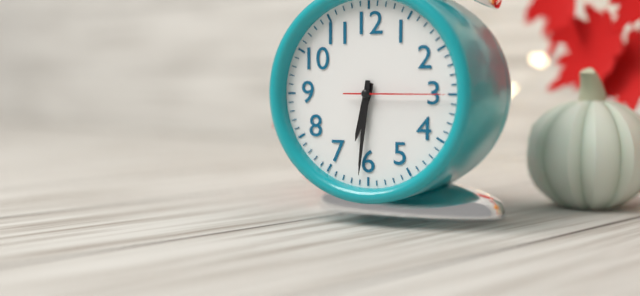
6:31:15
